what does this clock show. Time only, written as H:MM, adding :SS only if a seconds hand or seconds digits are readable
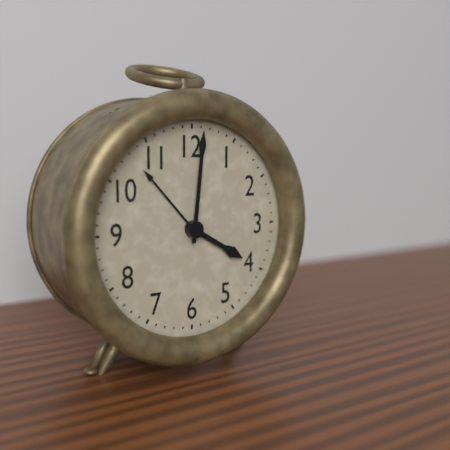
4:01
